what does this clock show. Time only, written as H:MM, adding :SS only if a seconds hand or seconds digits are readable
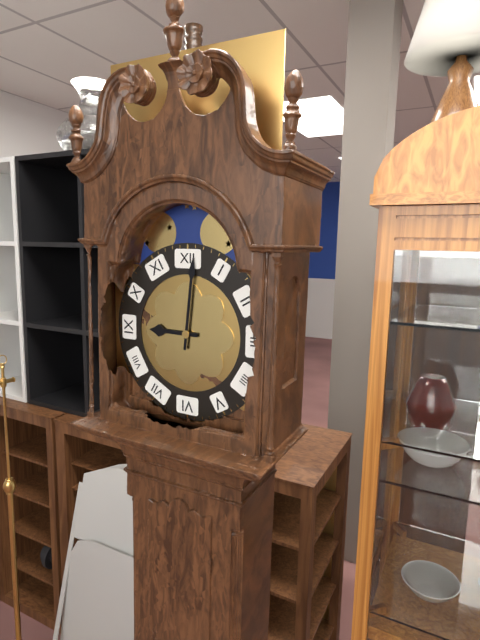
9:01
